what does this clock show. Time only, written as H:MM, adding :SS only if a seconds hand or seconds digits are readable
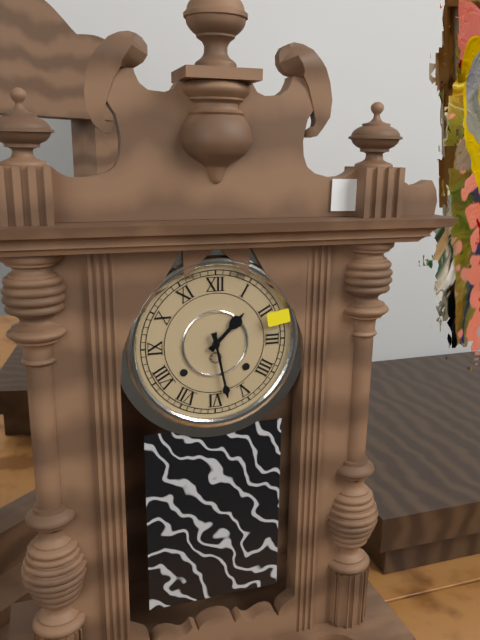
1:28
